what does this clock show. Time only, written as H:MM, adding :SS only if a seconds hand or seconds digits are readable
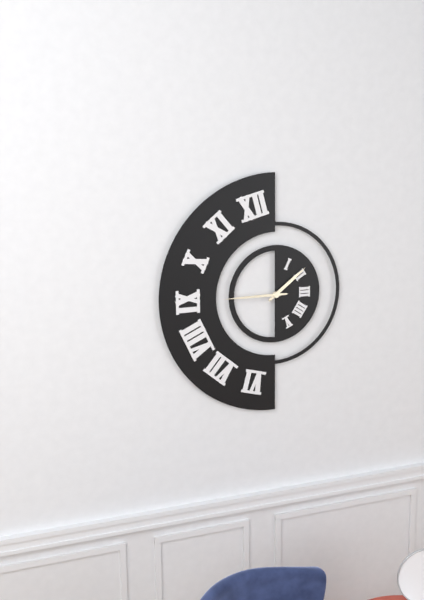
1:45
